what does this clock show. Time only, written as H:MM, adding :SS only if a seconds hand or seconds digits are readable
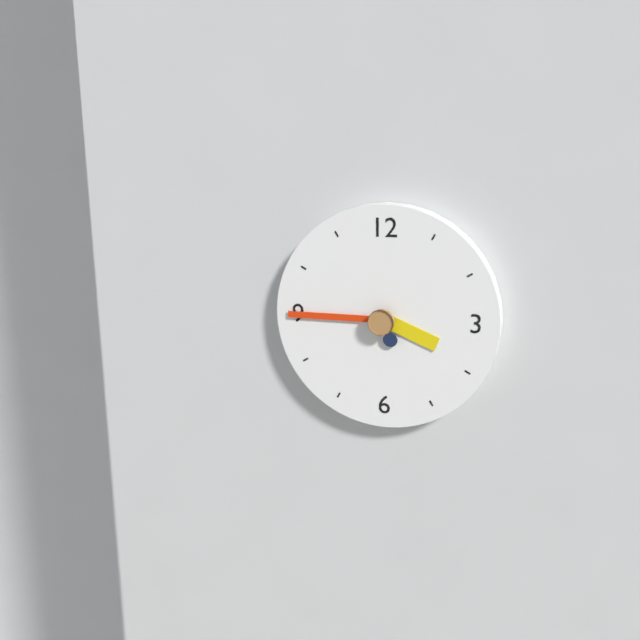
3:45
